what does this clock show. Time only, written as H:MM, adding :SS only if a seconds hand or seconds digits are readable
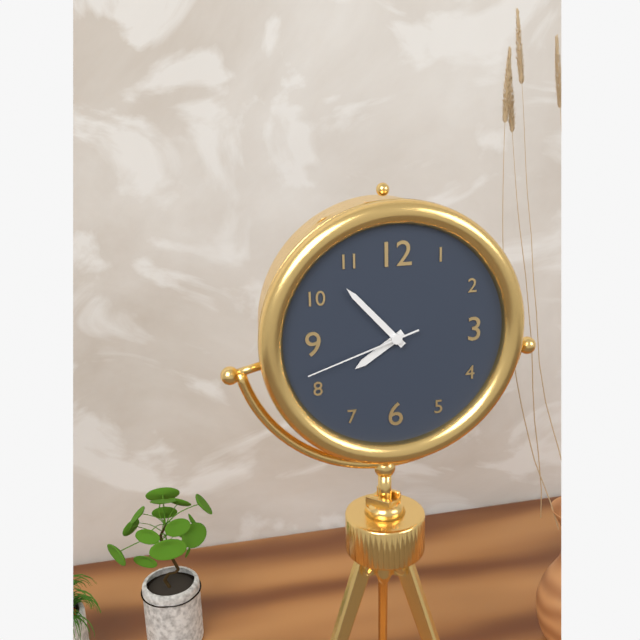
7:53:42
